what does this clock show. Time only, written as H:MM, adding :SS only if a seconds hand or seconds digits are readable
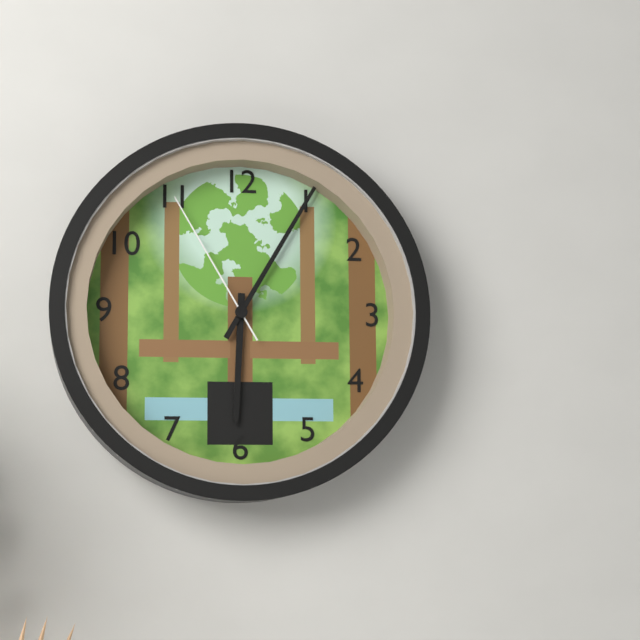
6:05:55
